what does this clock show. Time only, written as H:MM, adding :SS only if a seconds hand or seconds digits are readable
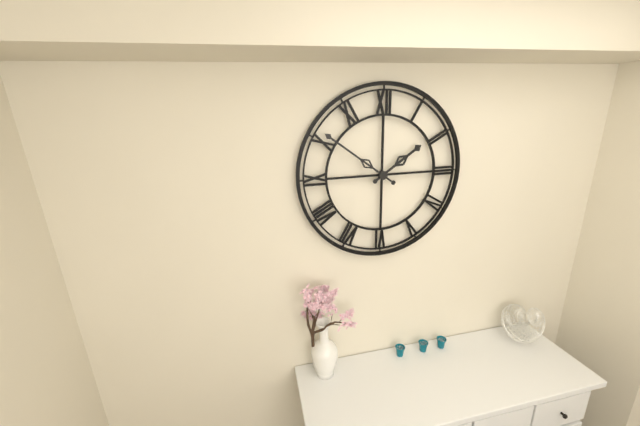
1:51
